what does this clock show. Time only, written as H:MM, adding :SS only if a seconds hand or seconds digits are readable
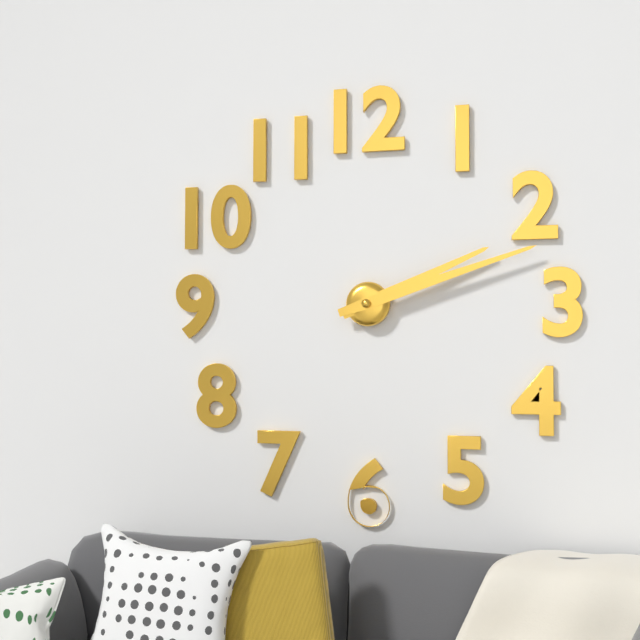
2:12
